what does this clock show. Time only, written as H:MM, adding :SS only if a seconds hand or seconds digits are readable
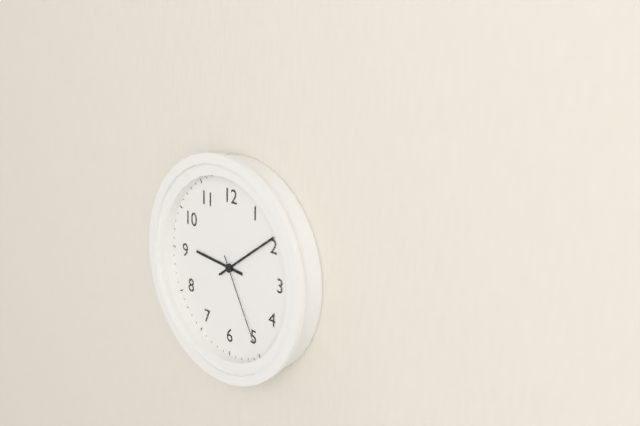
9:09:25
